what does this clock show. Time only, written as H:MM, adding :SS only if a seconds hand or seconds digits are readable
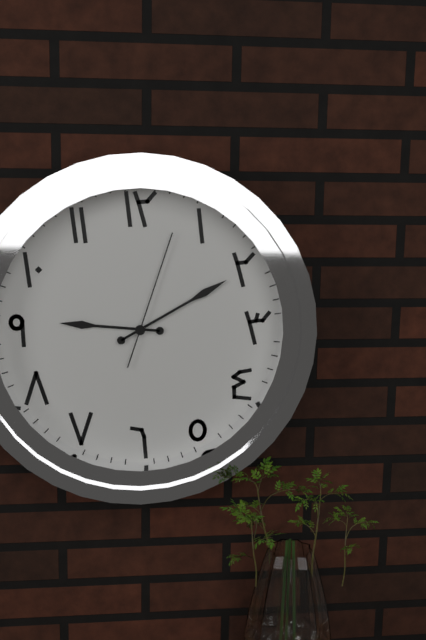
9:10:03
